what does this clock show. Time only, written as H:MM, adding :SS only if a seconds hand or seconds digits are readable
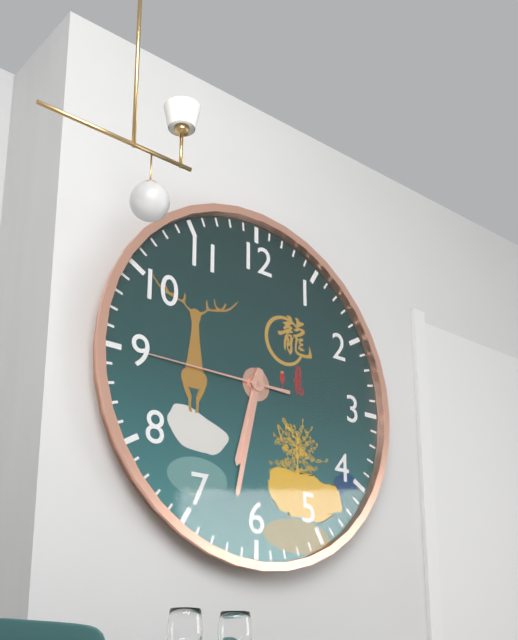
6:32:45
